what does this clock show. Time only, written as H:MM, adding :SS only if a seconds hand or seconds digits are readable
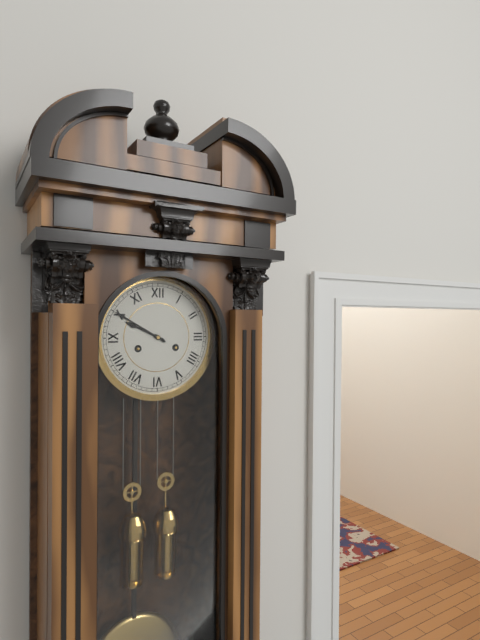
9:50
